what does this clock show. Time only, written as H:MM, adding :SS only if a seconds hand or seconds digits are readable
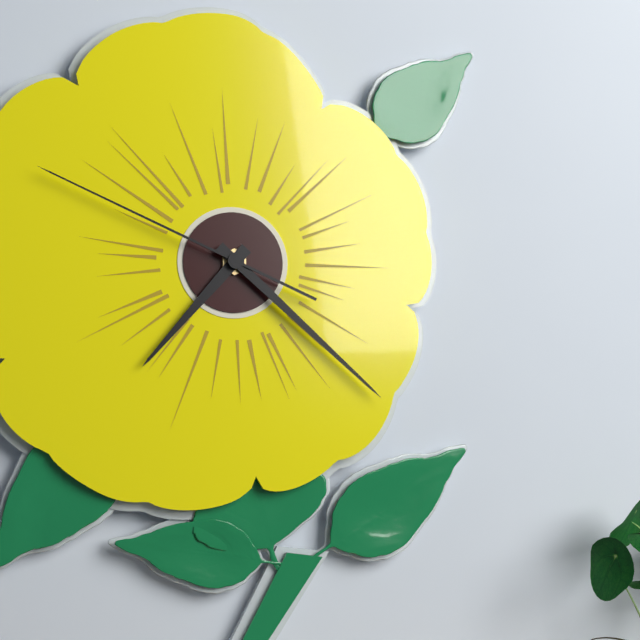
7:22:49
